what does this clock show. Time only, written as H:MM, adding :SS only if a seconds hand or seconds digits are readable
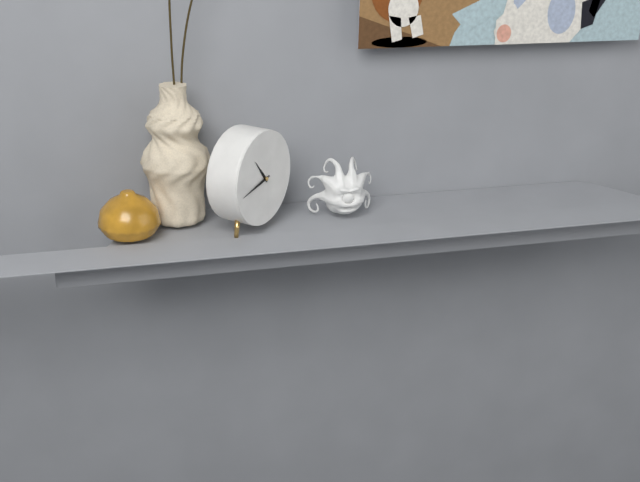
10:43
